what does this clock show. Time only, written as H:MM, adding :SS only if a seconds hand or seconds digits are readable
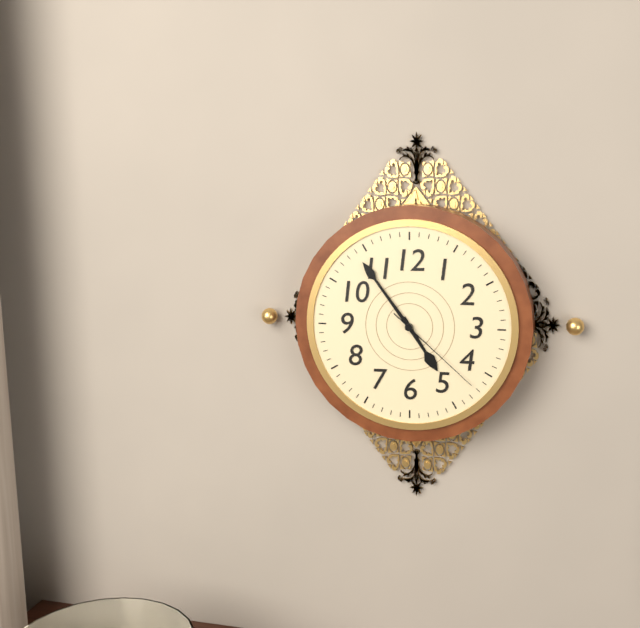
4:54:22
